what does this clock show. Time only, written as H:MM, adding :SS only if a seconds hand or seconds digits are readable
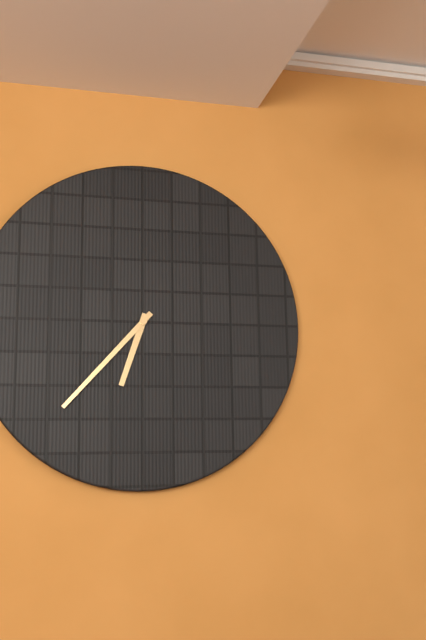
6:37
